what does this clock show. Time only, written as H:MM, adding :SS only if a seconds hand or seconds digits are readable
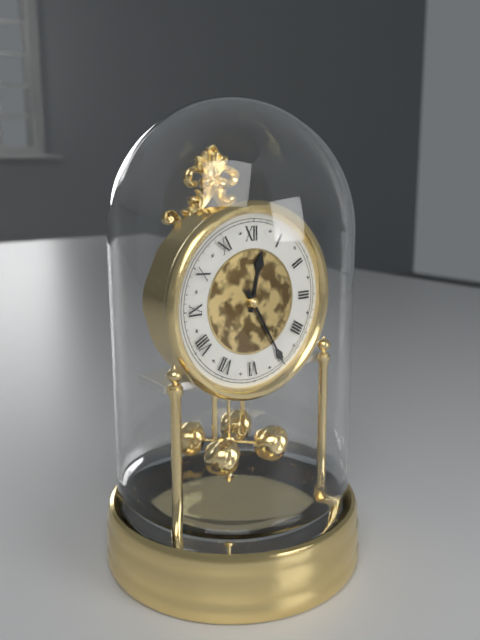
12:25
